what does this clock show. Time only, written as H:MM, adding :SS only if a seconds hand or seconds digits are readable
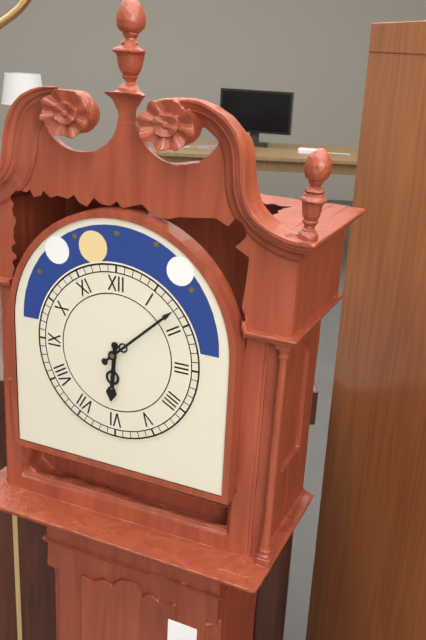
6:08
